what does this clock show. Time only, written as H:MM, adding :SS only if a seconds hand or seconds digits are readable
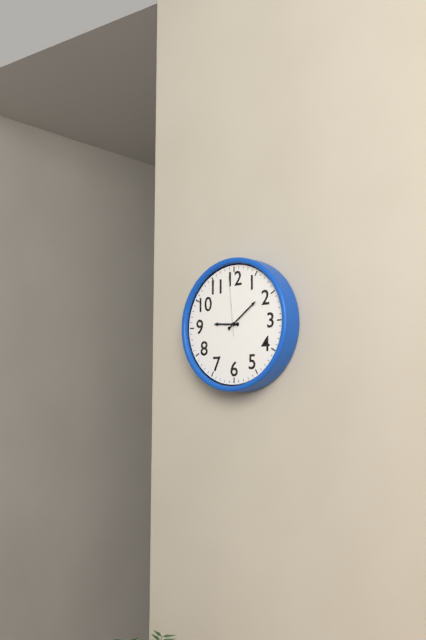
9:09:59
